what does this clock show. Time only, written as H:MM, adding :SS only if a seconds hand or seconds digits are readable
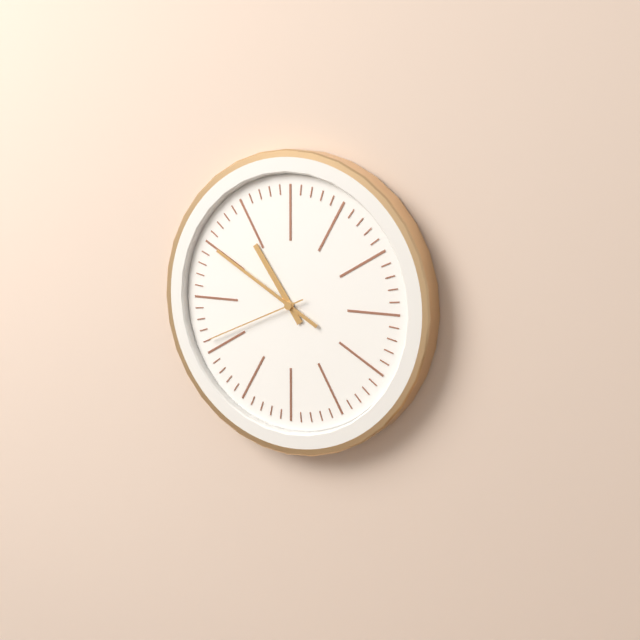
10:50:41
